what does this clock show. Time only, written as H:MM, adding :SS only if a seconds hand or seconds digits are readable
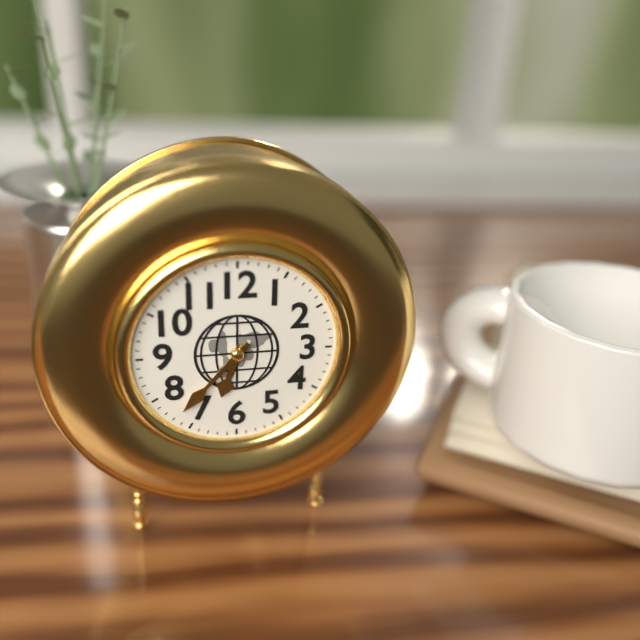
6:37
